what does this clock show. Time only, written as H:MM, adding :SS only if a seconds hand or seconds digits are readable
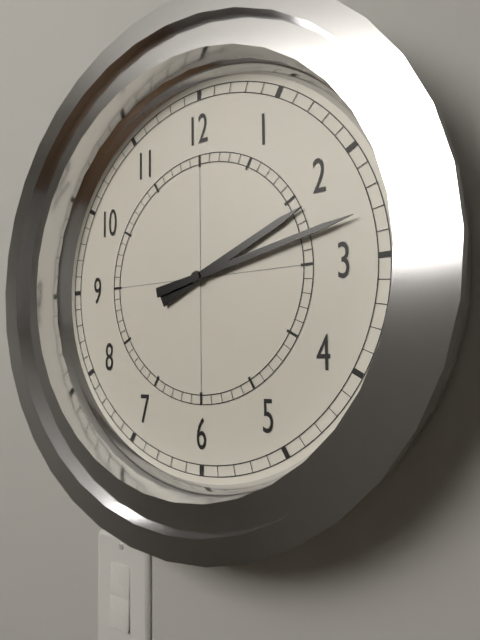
2:13
